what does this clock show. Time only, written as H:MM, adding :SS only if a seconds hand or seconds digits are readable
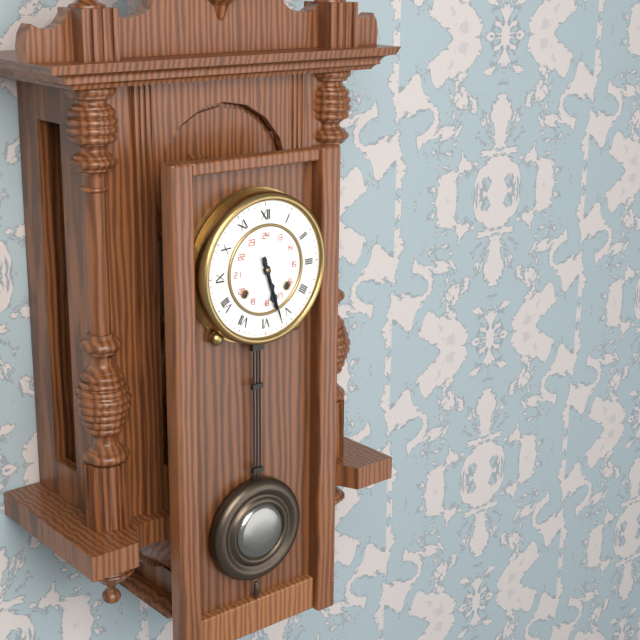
5:27
